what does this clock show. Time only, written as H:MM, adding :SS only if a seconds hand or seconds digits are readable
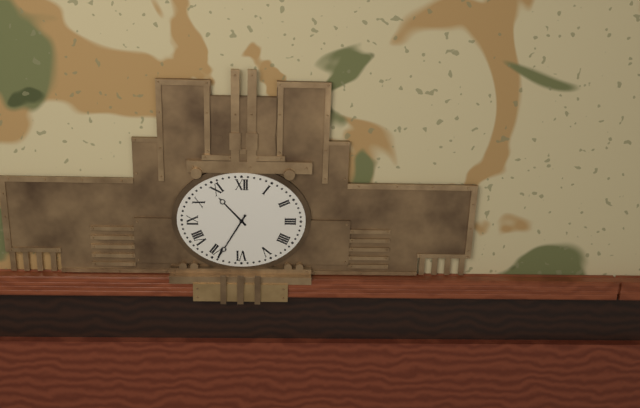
10:35
